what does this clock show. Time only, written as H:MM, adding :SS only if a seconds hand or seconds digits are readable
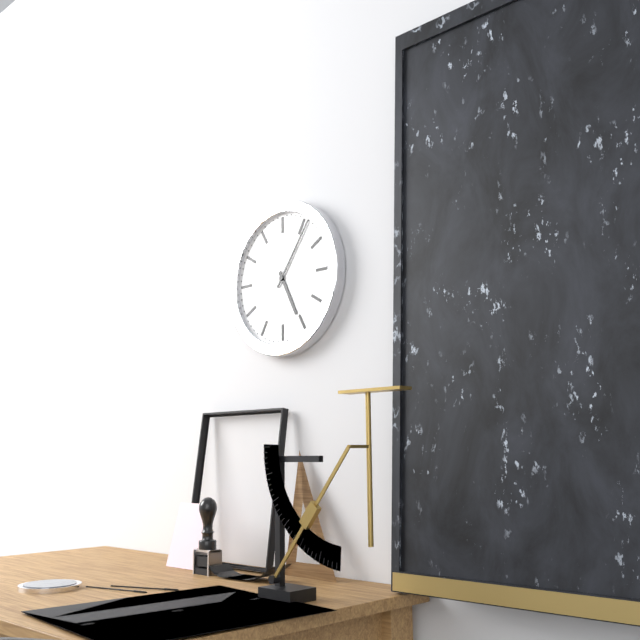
5:06
